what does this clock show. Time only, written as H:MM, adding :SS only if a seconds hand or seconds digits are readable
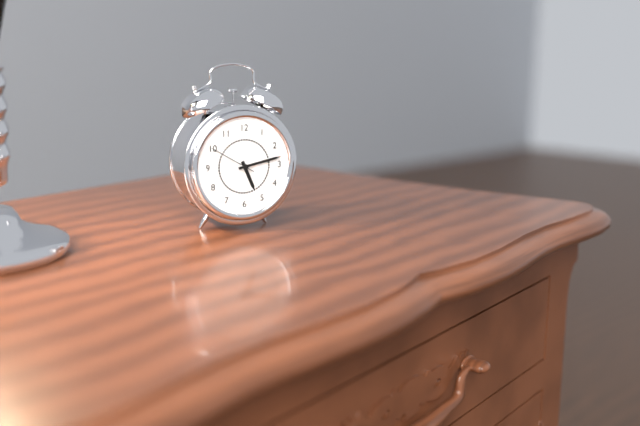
5:13:50
